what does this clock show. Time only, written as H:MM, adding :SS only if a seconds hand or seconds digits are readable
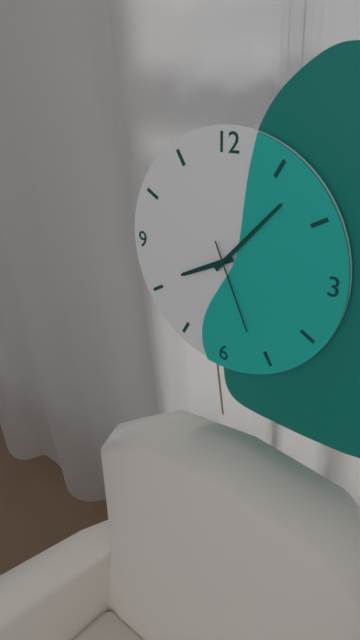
8:07:26
